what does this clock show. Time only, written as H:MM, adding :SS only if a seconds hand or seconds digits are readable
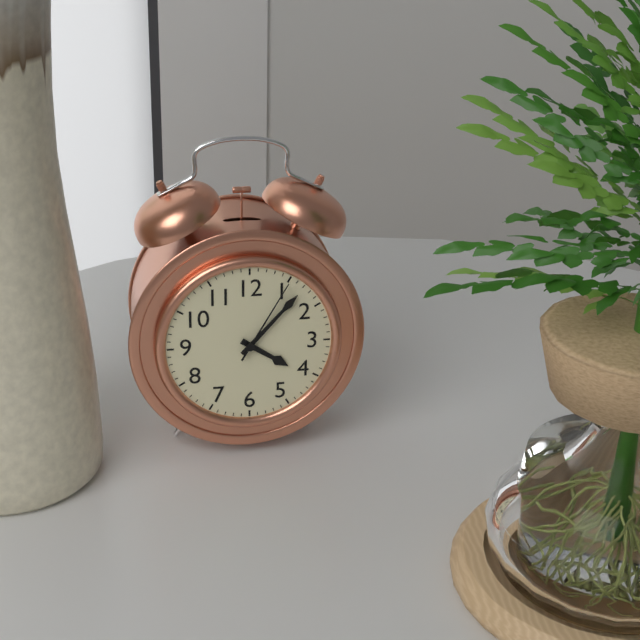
4:07:05
